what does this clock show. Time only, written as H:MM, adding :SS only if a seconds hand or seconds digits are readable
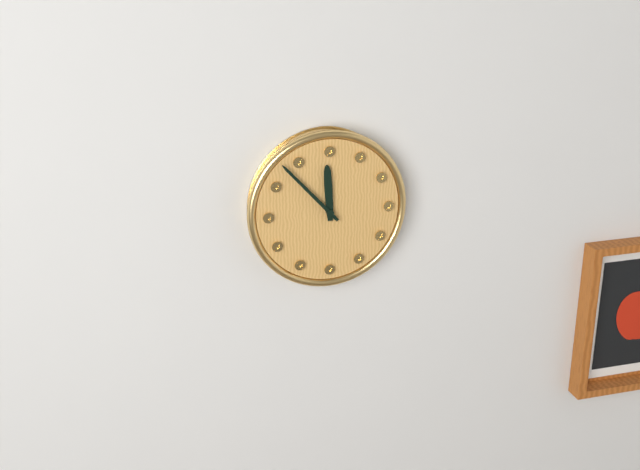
11:53
